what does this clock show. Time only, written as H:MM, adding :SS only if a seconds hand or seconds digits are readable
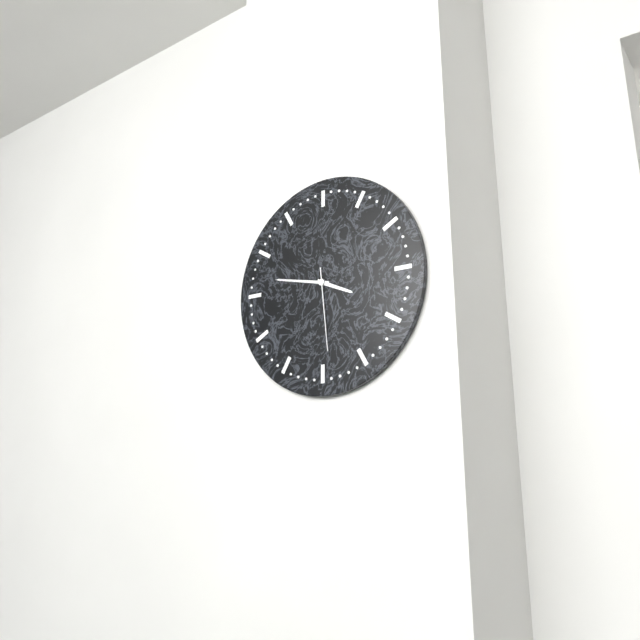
3:47:29
